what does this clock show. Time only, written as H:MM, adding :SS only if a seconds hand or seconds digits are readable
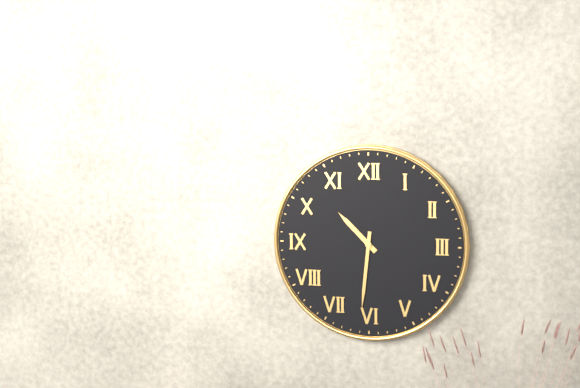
10:31
